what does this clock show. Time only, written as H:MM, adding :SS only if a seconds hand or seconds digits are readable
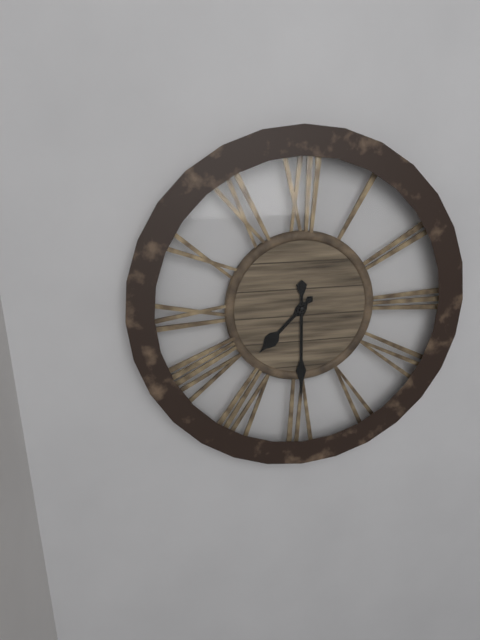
7:30
